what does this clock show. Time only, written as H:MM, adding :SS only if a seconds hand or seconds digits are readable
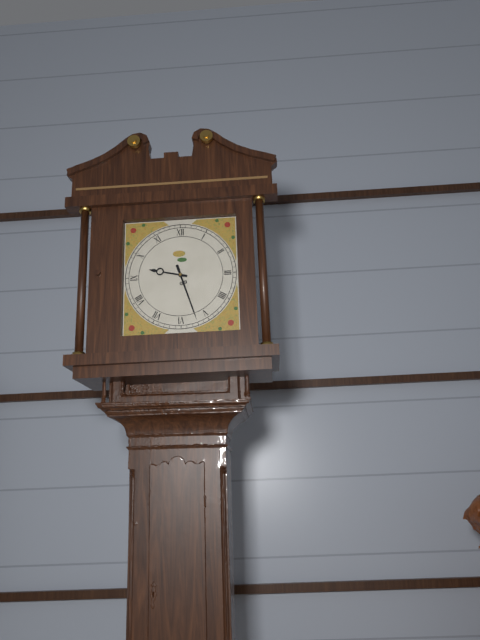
9:27
